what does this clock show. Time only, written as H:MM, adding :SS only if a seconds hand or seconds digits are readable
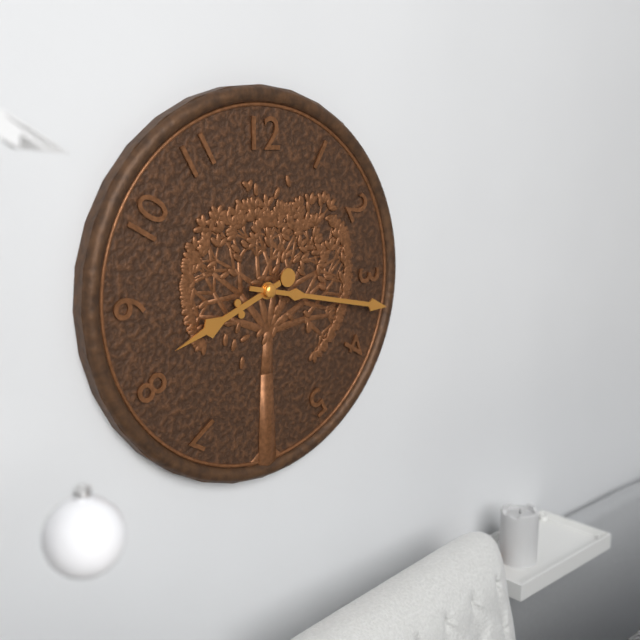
8:17
